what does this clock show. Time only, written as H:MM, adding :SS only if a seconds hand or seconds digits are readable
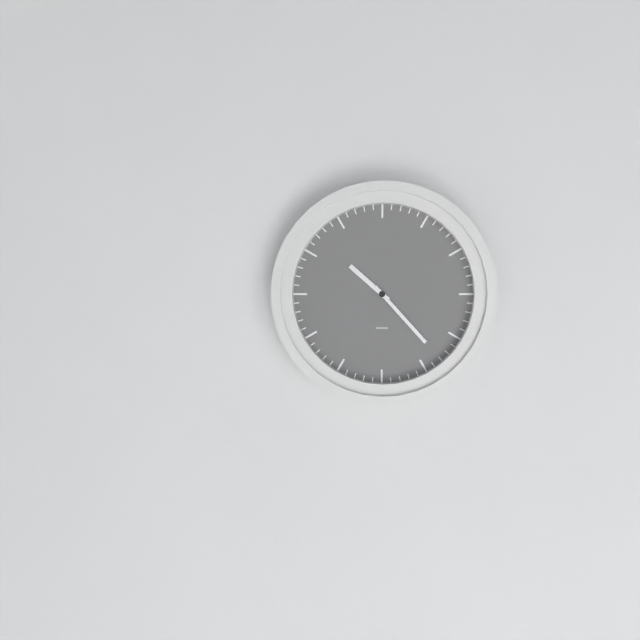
10:23
